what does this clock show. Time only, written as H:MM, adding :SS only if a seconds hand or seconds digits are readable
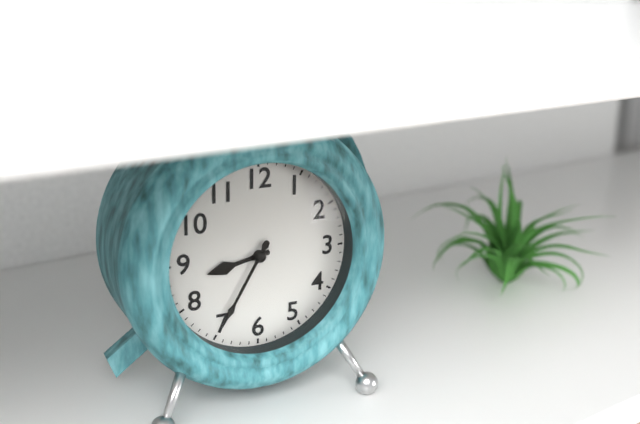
8:35
